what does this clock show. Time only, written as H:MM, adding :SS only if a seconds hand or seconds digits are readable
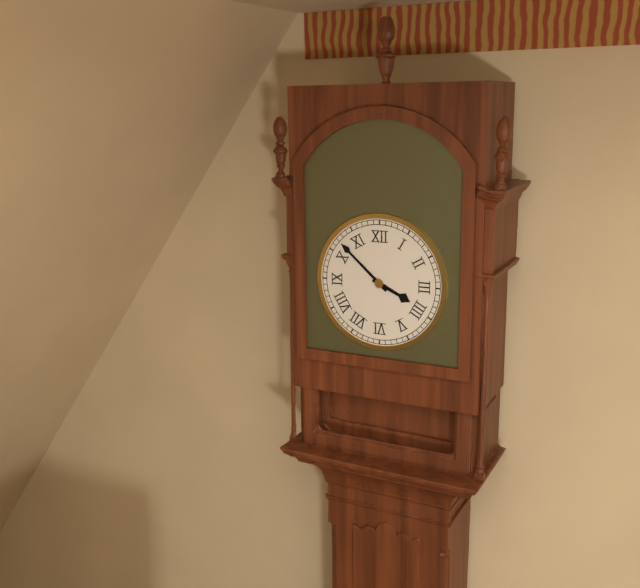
3:52
